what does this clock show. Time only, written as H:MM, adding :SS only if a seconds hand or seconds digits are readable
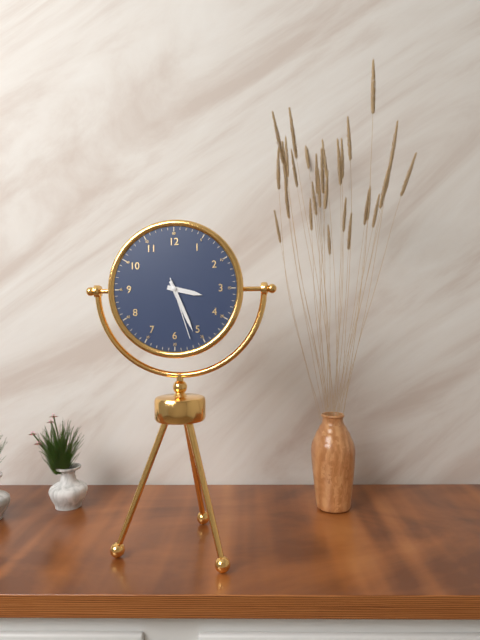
3:26:27
